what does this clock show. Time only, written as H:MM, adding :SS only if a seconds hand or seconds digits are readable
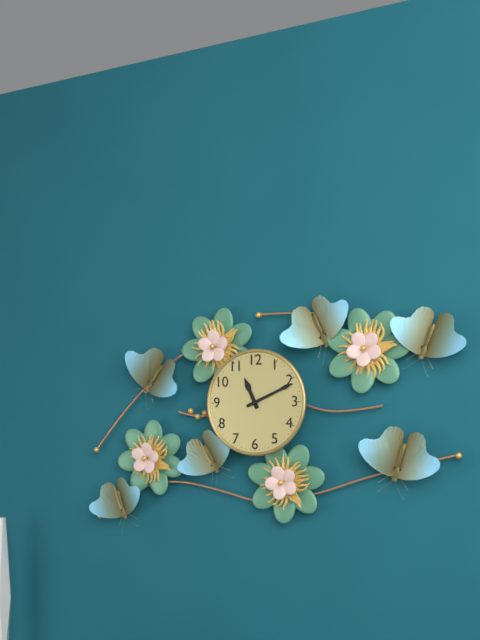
11:11
